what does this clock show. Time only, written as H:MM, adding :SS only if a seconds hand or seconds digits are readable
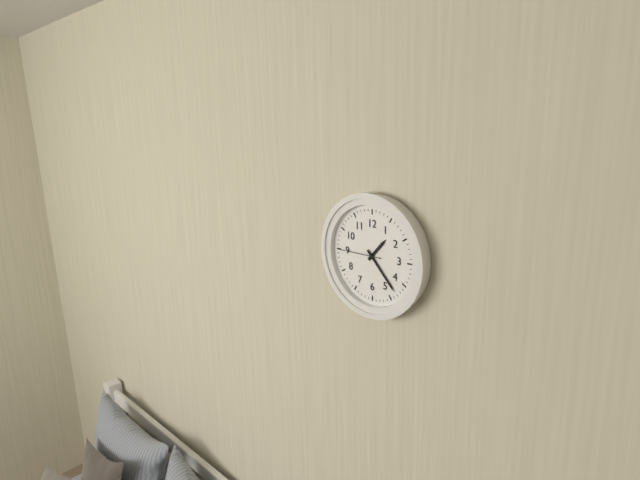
1:23
